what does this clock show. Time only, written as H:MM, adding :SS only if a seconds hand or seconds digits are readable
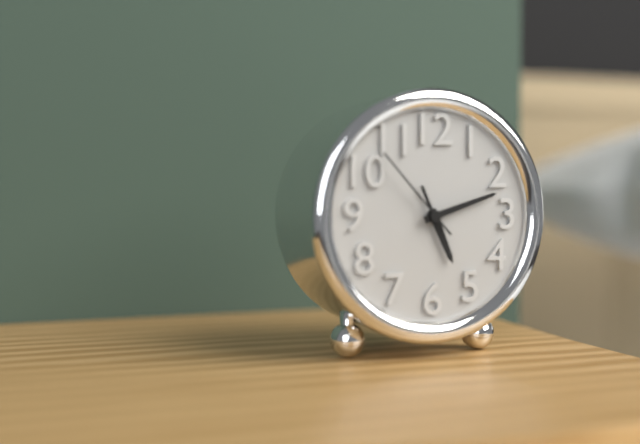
5:12:53
